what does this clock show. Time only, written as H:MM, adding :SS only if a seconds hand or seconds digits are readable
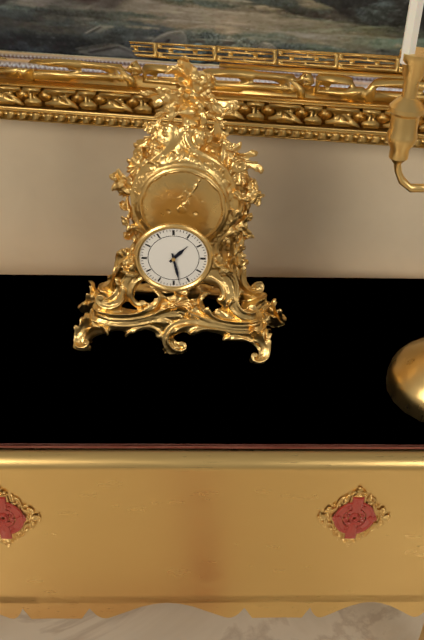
1:28
